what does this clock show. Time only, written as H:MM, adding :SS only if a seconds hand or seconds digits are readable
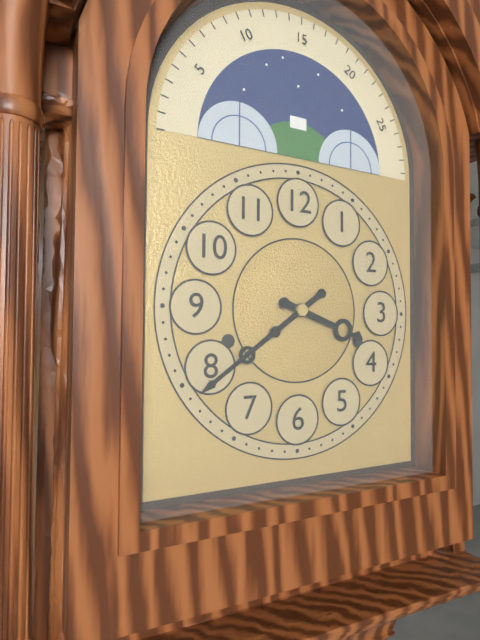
3:39
